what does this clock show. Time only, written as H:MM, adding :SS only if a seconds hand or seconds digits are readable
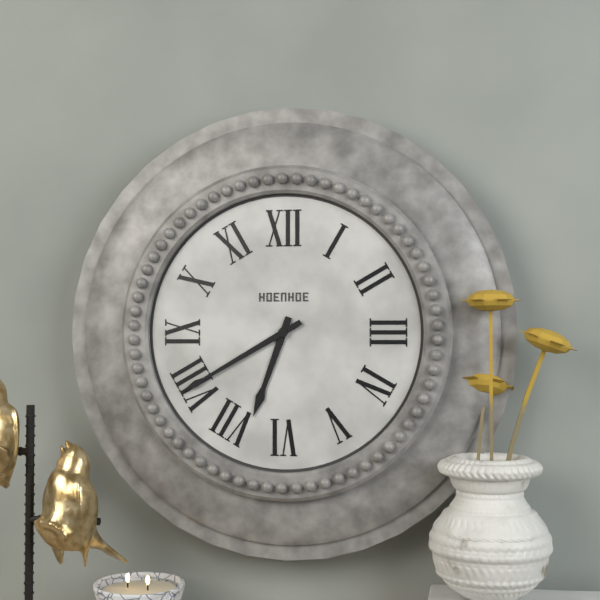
6:40
